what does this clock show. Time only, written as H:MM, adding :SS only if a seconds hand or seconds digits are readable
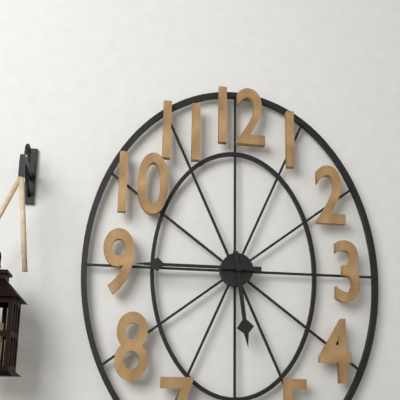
5:45
